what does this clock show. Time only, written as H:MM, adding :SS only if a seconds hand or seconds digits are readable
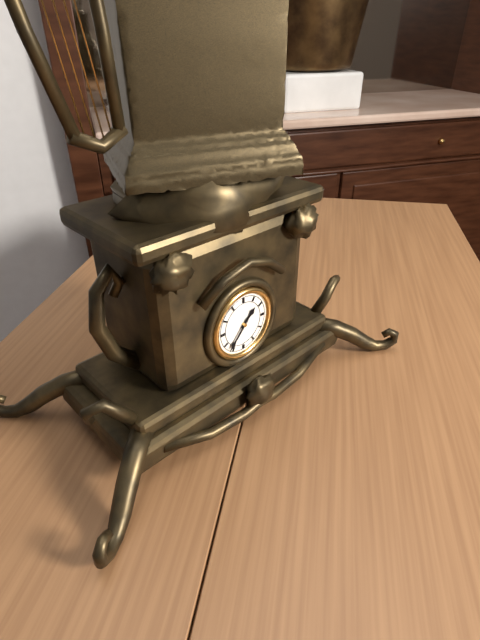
1:37
